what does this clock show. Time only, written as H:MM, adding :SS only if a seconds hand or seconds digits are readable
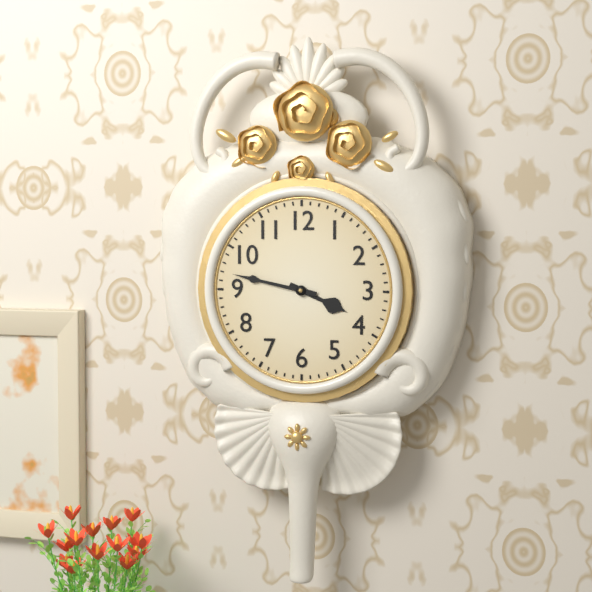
3:47
